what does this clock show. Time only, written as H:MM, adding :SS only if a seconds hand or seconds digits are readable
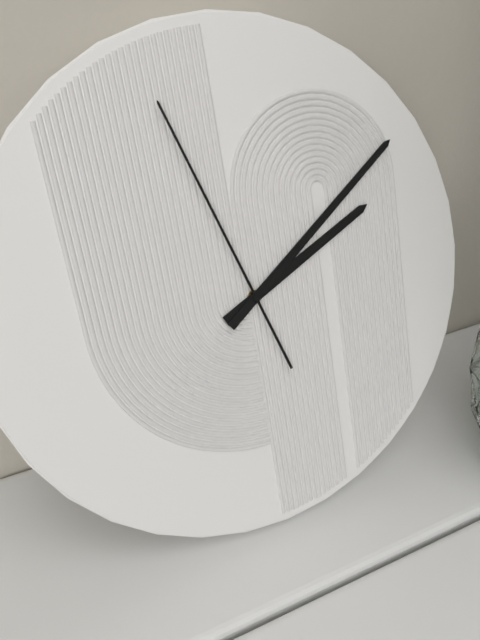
2:09:57
